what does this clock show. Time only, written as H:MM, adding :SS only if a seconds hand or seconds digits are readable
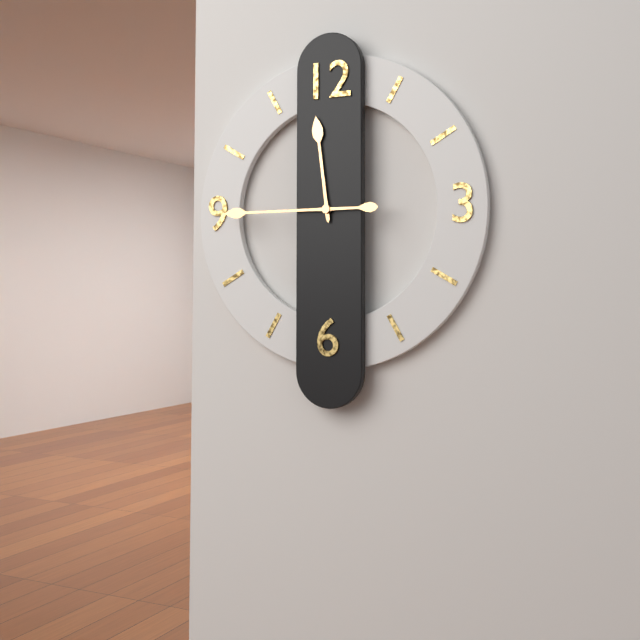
11:45
